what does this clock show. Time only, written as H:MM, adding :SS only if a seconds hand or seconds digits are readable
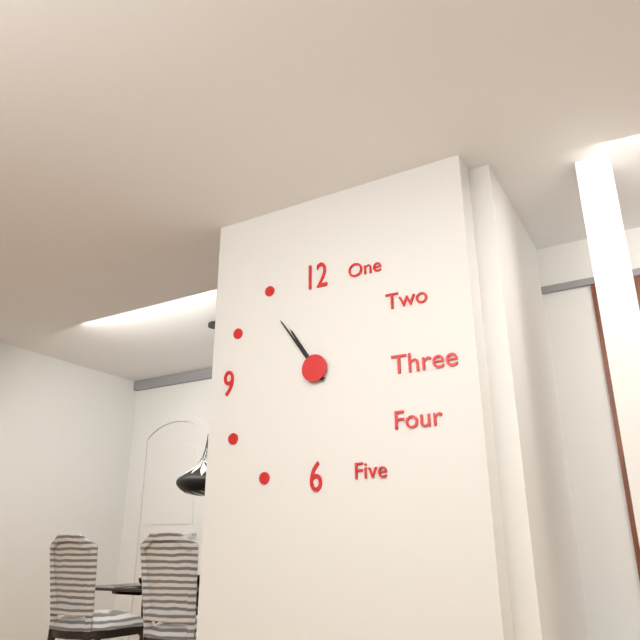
10:54
